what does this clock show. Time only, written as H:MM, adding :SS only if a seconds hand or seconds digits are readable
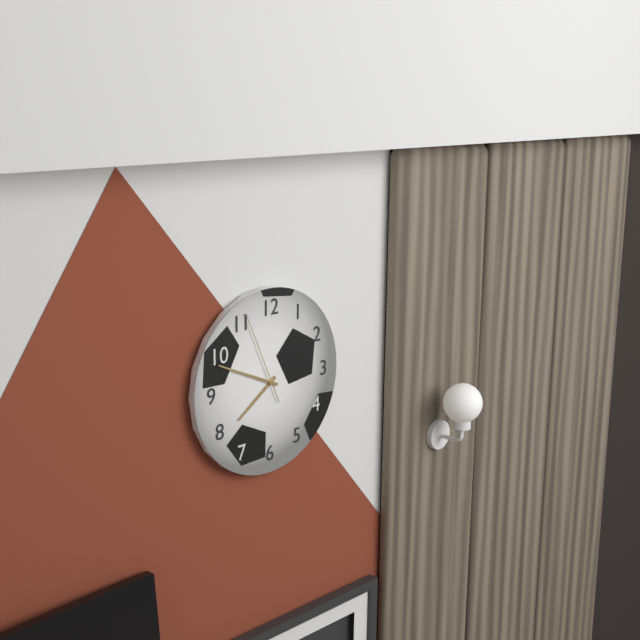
7:49:56
